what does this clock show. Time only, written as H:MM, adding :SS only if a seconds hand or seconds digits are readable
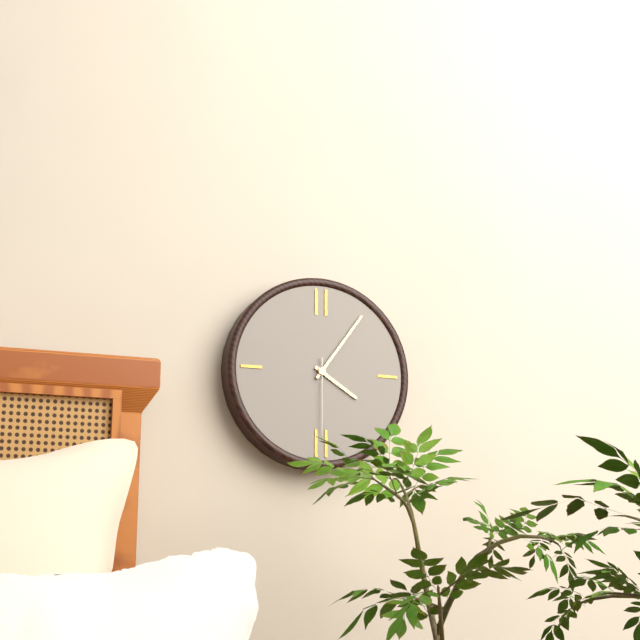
4:06:30
